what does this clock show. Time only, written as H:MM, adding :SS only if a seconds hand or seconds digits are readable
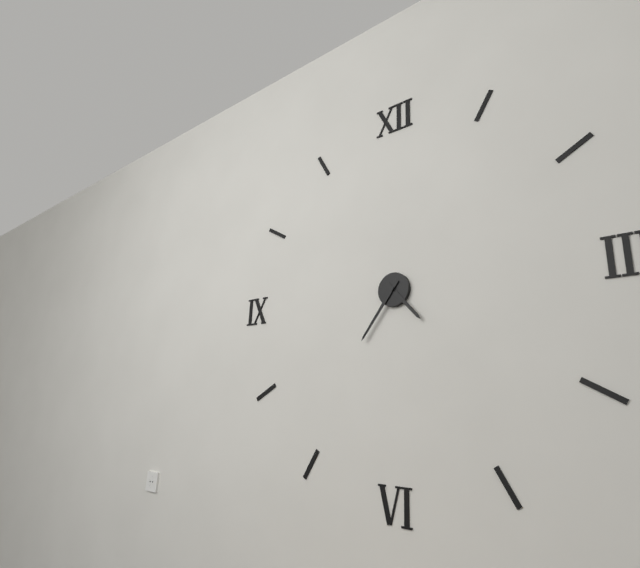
4:36
